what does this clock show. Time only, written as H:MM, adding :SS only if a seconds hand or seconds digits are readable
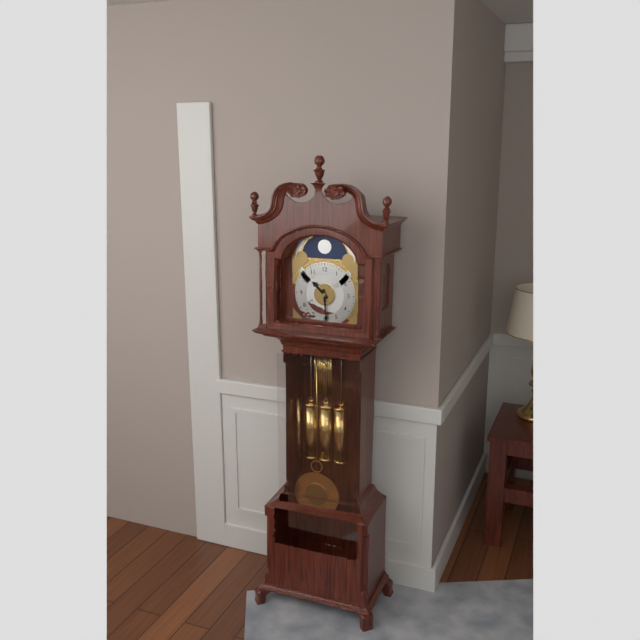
10:29
